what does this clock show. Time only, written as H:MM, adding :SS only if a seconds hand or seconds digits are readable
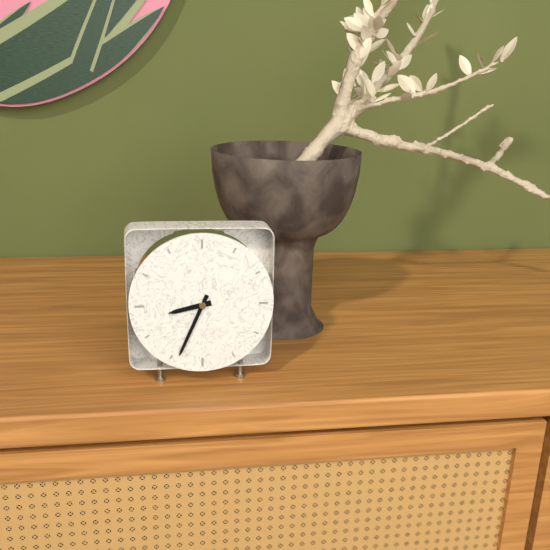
8:34
